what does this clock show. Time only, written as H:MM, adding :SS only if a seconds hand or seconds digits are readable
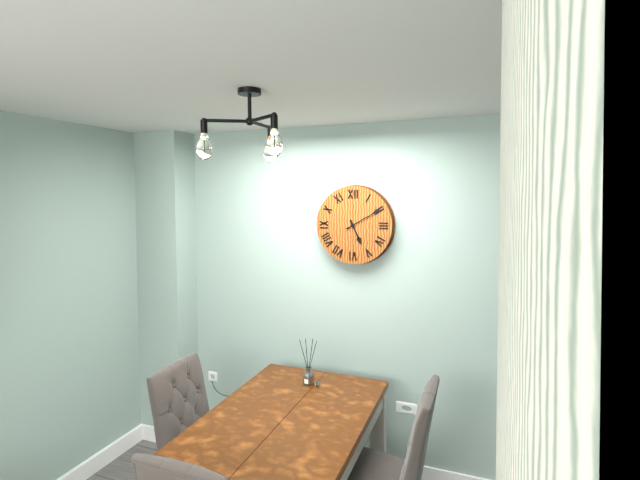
5:10
